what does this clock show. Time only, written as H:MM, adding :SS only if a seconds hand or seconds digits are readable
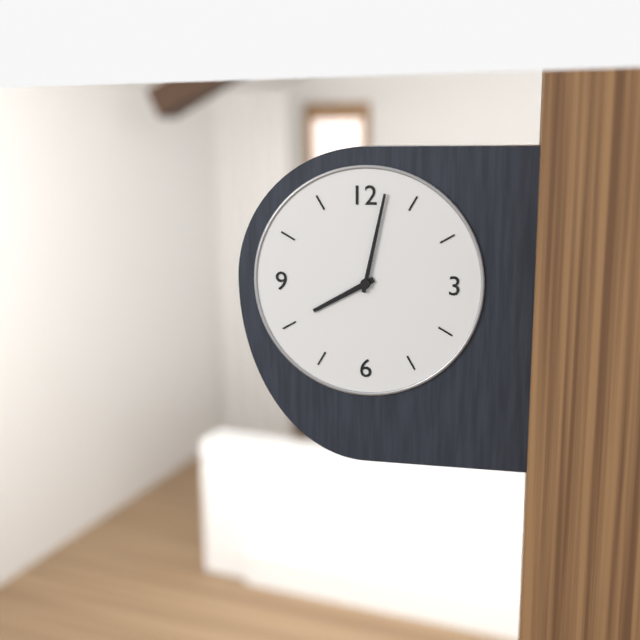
8:02
